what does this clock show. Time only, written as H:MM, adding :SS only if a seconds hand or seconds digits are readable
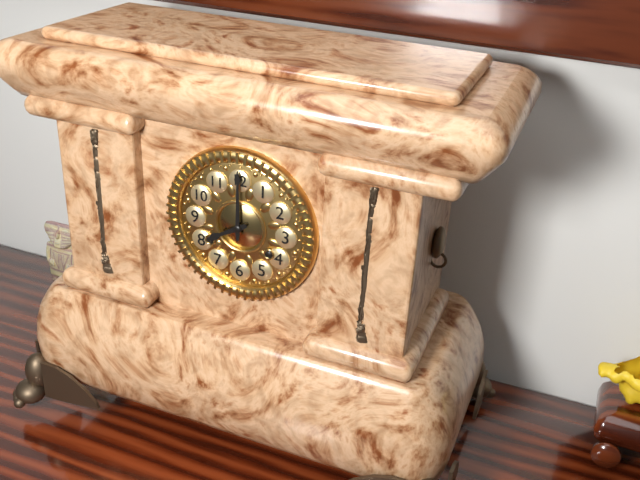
8:00
